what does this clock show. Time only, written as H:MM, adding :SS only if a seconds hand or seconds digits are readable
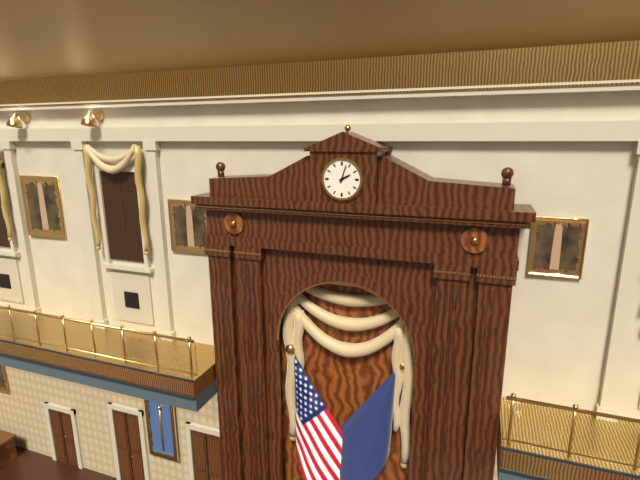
2:03
